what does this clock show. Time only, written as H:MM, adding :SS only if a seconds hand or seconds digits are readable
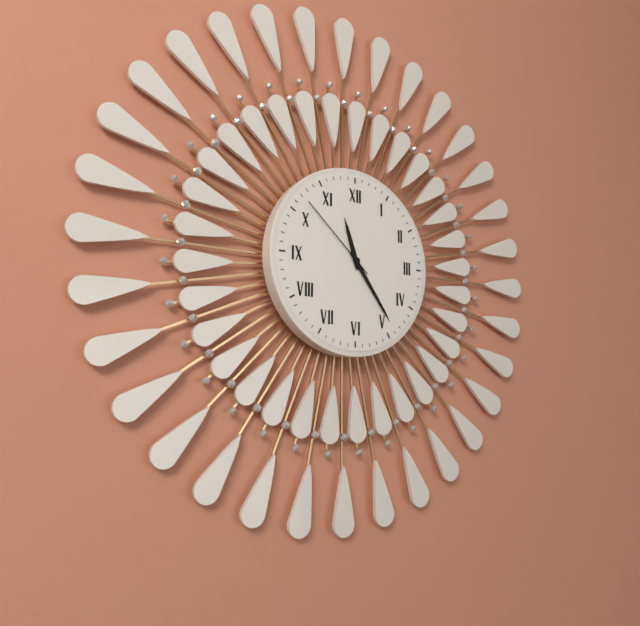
11:24:52
